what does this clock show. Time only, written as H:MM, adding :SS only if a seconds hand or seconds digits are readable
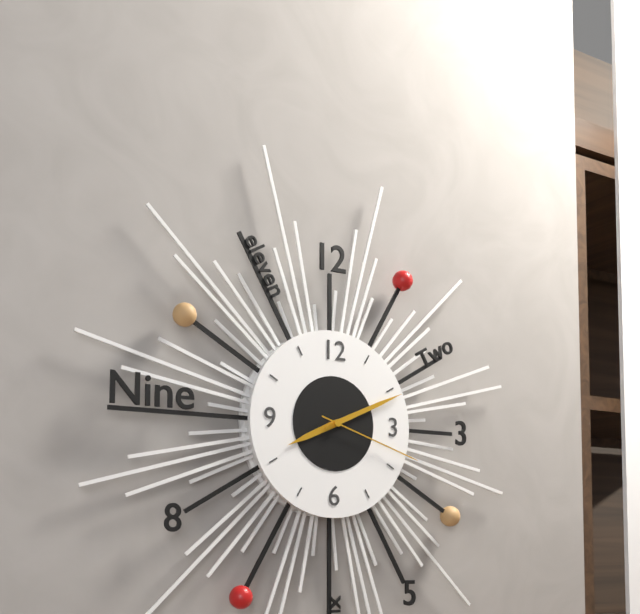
8:11:18
